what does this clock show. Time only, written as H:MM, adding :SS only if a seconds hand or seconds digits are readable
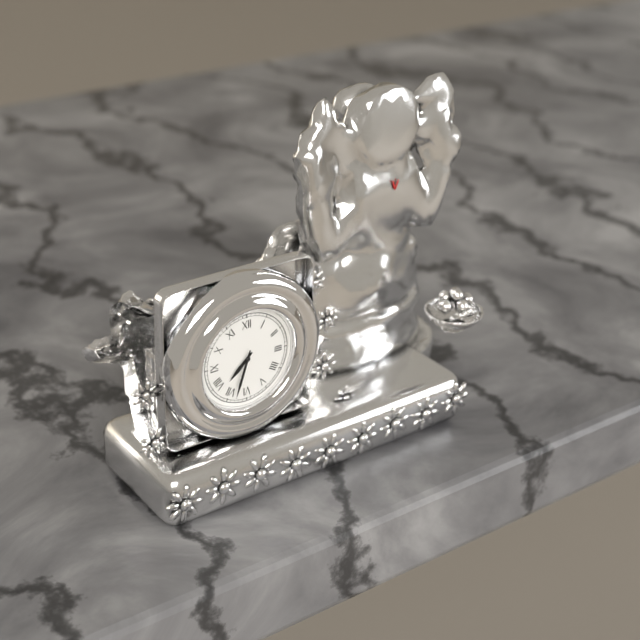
7:33
